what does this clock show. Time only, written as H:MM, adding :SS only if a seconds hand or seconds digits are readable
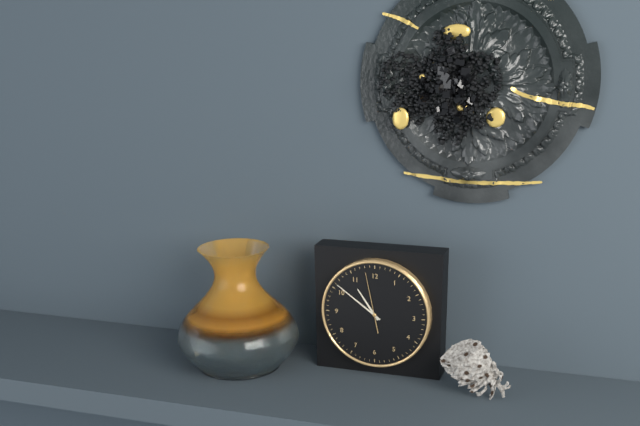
10:51:58
